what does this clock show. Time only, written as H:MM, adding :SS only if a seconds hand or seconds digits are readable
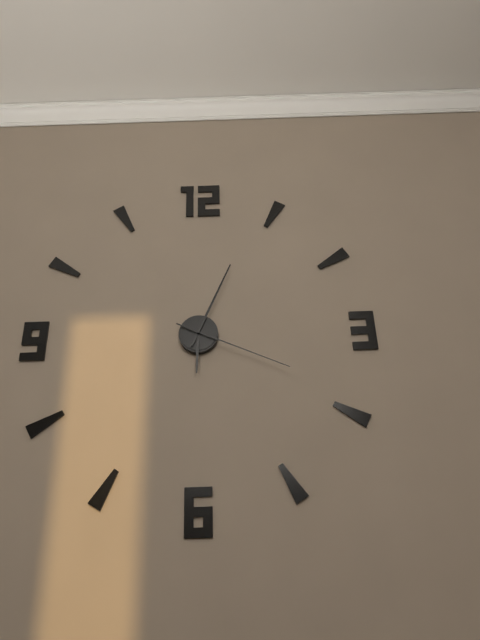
6:04:19
